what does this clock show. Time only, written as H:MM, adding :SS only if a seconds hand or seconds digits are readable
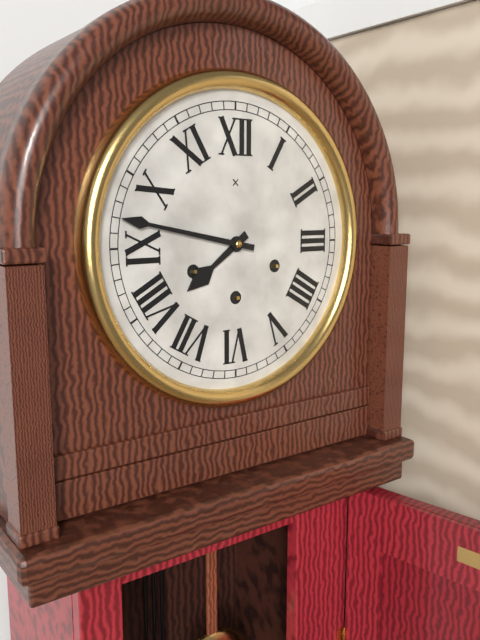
7:47
